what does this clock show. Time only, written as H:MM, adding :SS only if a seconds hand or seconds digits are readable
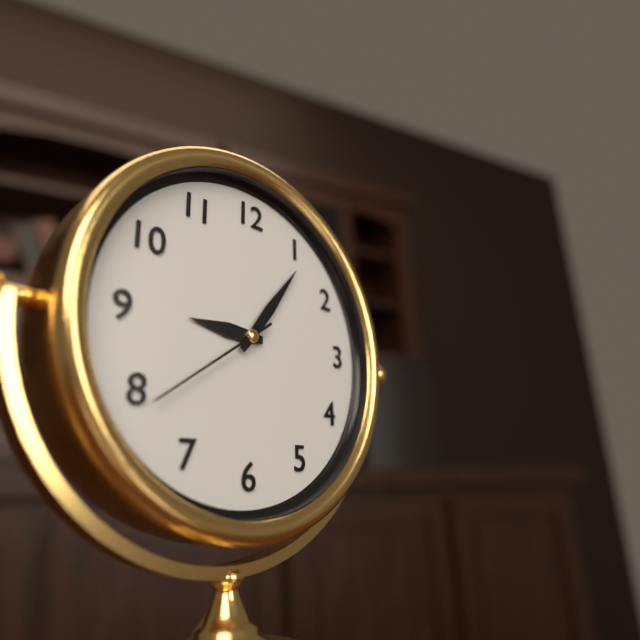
9:06:39
